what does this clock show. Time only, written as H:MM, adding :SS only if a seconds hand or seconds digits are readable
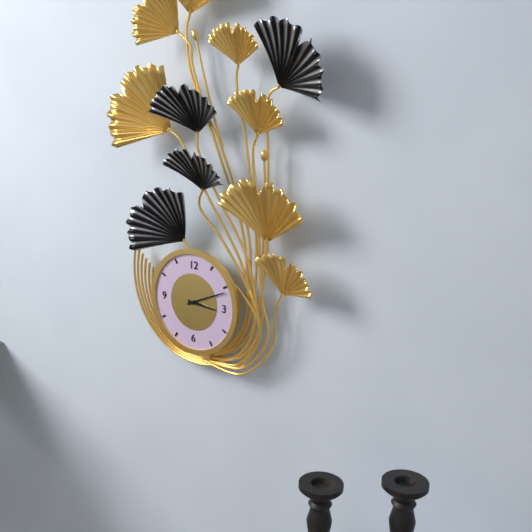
3:11
